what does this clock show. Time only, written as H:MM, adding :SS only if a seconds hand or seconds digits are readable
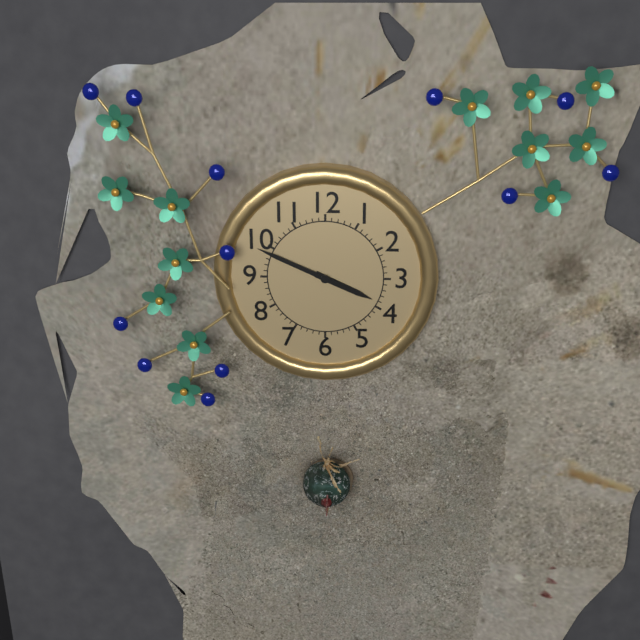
3:49
